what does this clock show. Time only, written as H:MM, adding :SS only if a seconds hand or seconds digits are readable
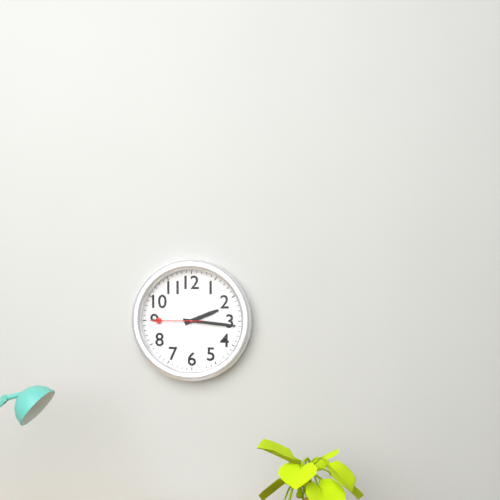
2:16:45
